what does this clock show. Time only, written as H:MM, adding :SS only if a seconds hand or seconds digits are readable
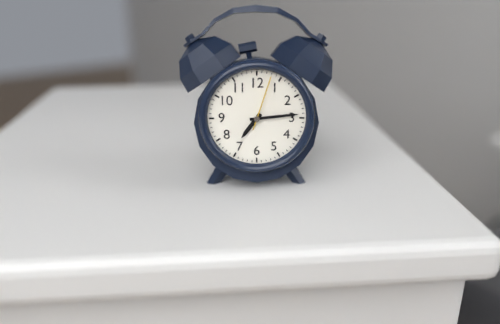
7:14:03
